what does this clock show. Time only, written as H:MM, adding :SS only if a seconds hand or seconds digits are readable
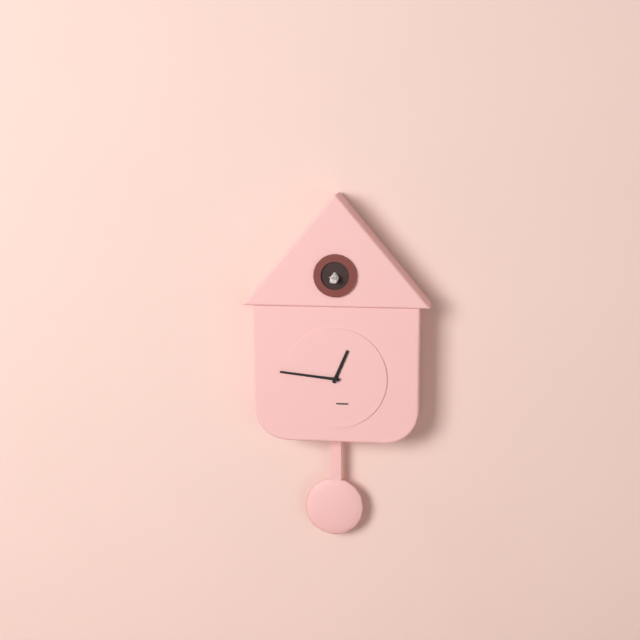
12:46
